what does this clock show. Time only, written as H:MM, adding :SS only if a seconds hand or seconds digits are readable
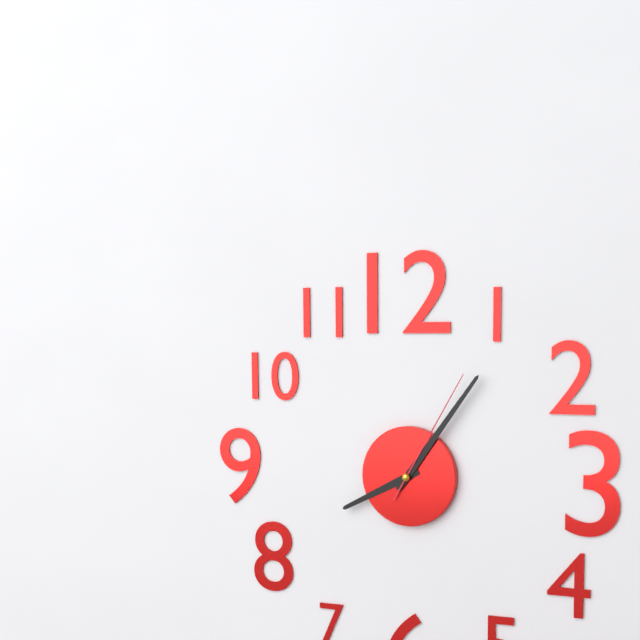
8:06:05
